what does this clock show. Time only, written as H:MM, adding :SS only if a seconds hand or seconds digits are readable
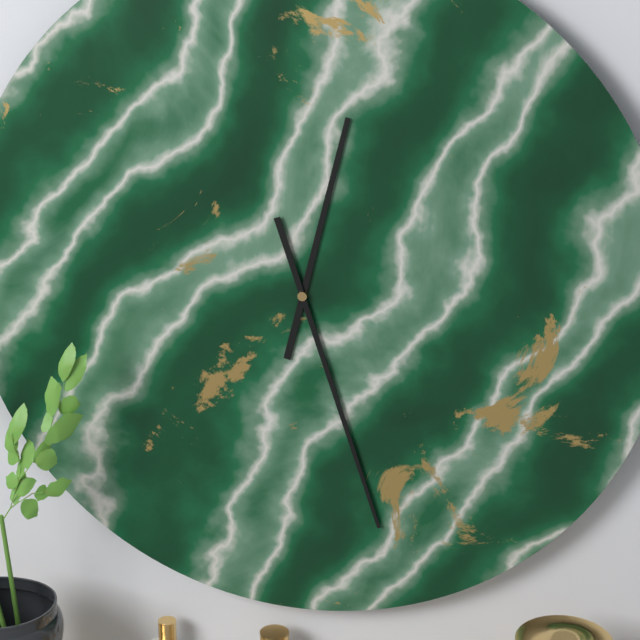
12:27
